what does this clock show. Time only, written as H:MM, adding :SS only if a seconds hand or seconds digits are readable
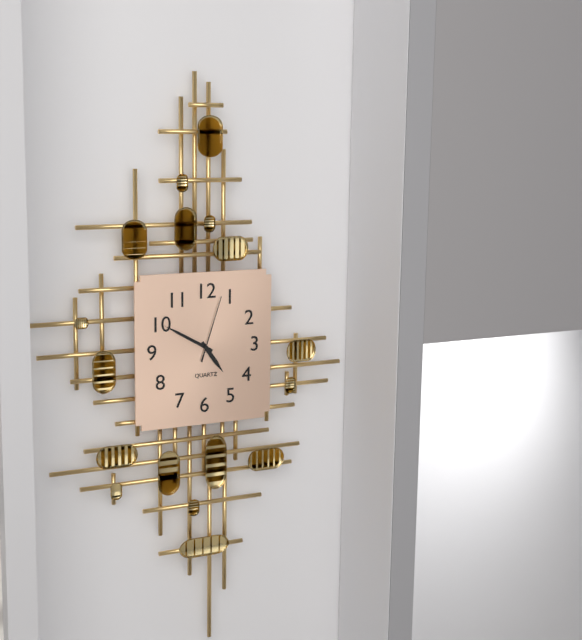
4:50:03
